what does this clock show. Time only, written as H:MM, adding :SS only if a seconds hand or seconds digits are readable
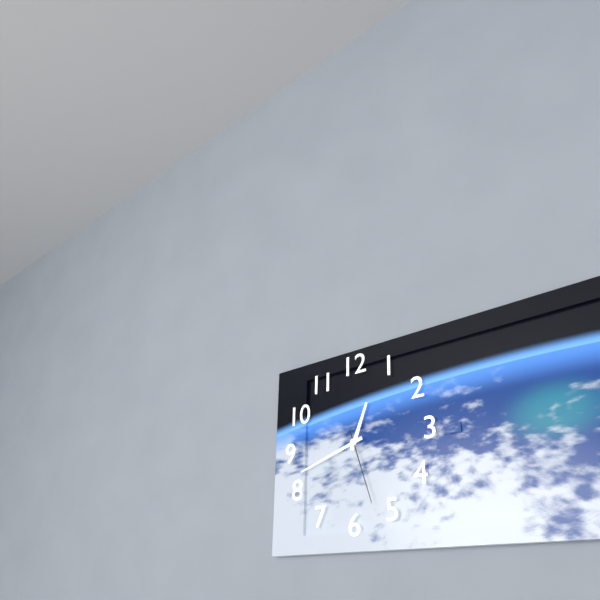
12:42:27
